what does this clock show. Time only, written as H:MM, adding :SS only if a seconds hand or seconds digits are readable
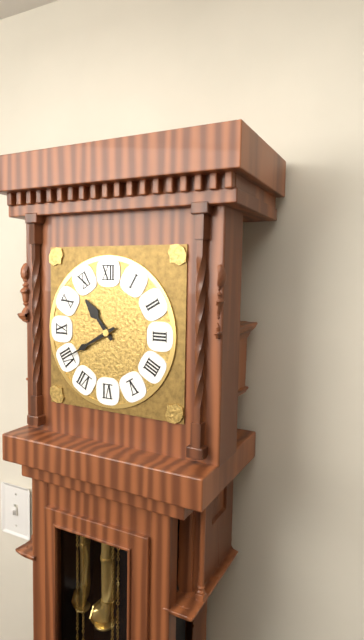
10:40
